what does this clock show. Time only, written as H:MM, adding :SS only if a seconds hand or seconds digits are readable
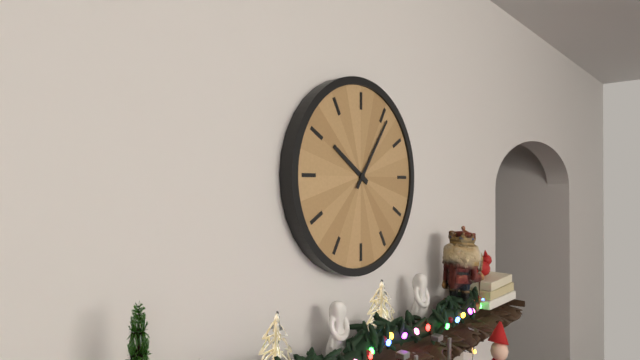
10:06
